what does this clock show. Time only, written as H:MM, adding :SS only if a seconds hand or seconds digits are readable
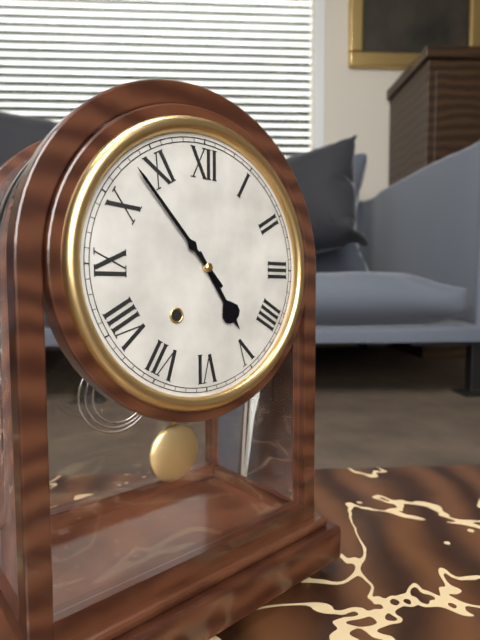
4:53
